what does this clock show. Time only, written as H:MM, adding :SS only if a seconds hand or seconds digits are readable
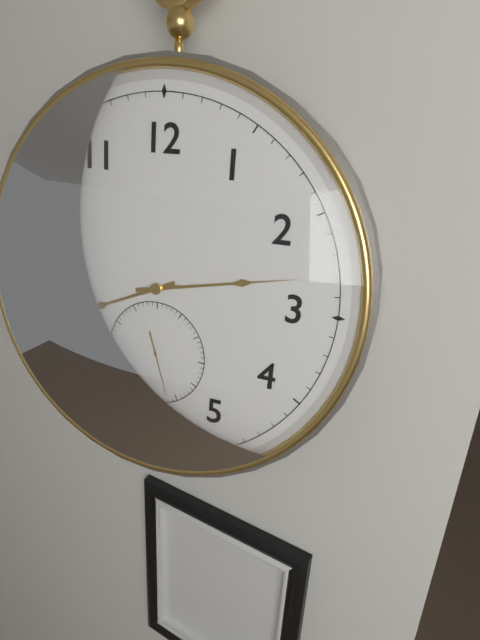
8:13:27
